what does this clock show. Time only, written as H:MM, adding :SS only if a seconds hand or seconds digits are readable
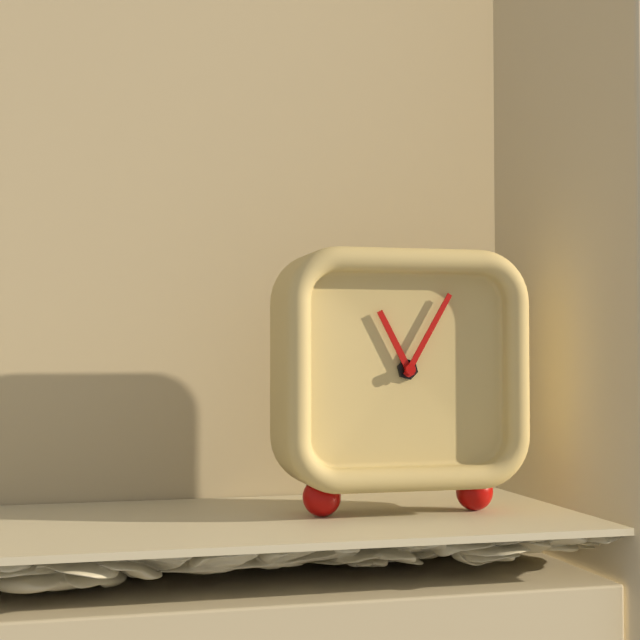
11:05
